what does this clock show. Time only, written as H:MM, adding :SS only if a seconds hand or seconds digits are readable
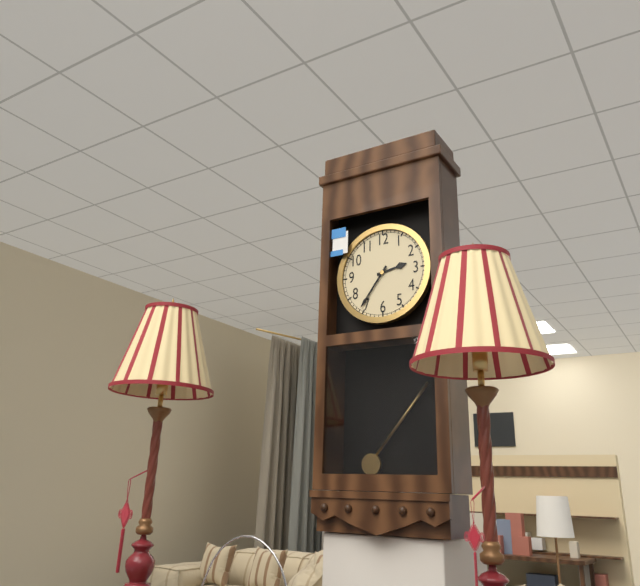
2:36
